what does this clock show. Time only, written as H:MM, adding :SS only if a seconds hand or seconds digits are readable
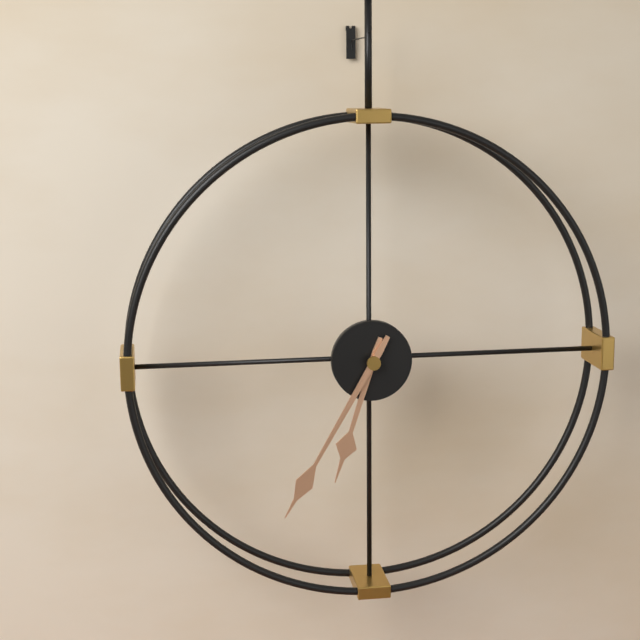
6:35
